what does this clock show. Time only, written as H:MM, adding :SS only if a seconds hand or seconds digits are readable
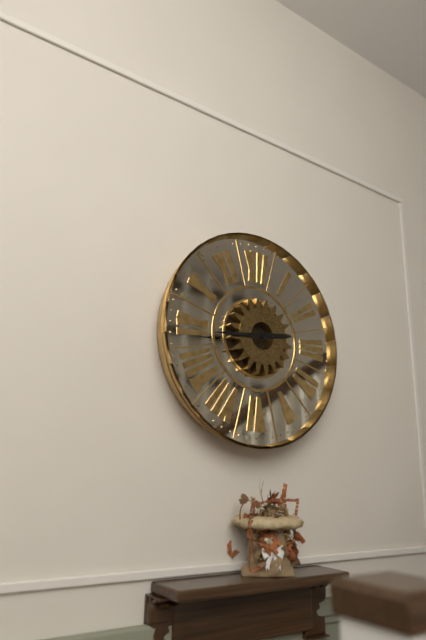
2:44
